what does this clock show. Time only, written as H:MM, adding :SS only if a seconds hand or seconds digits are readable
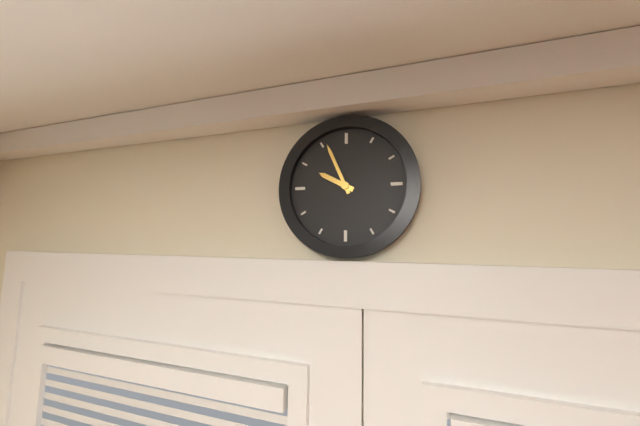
9:56
